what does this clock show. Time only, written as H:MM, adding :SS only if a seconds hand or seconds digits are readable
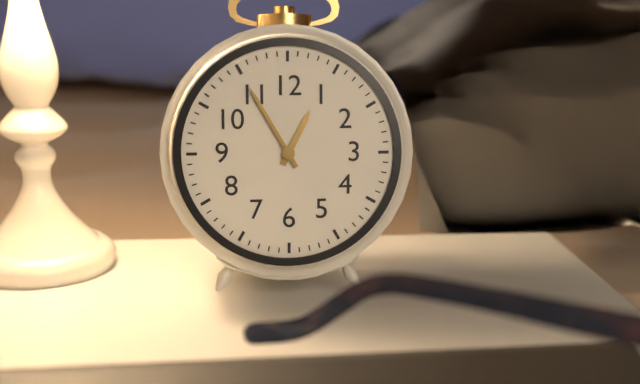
12:55
